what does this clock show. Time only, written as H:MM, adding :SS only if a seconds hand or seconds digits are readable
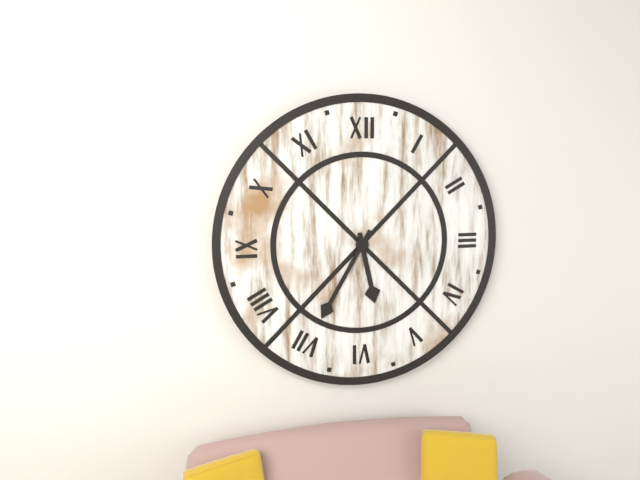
5:35
